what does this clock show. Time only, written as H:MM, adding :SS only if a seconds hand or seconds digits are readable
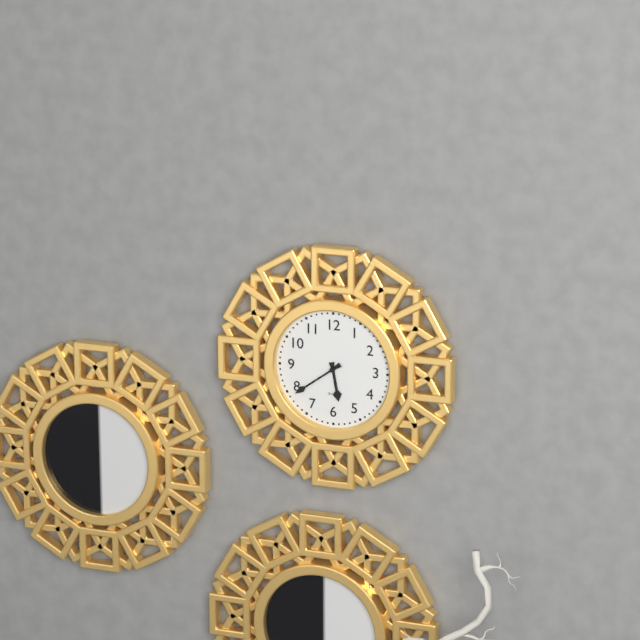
5:39
